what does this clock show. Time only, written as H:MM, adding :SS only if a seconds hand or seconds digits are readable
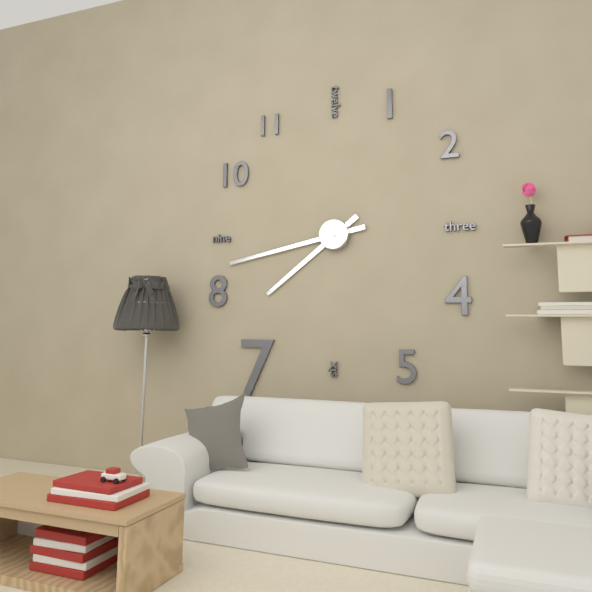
7:43
